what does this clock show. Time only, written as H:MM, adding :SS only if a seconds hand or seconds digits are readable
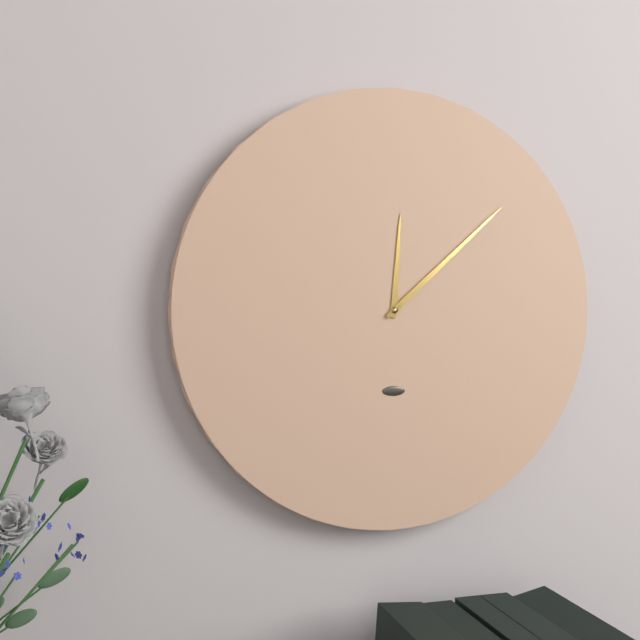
12:08
